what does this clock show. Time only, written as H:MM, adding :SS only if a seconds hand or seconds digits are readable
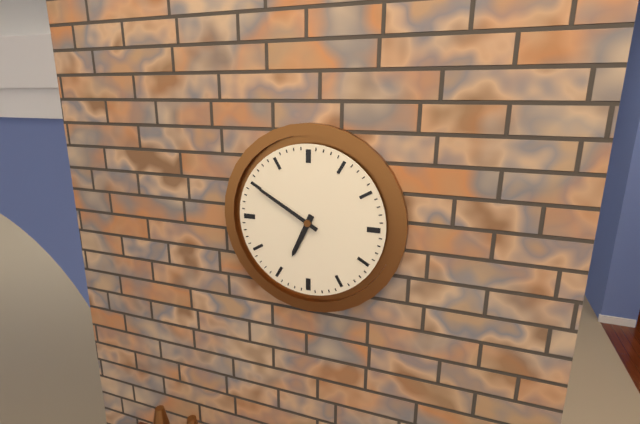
6:50
